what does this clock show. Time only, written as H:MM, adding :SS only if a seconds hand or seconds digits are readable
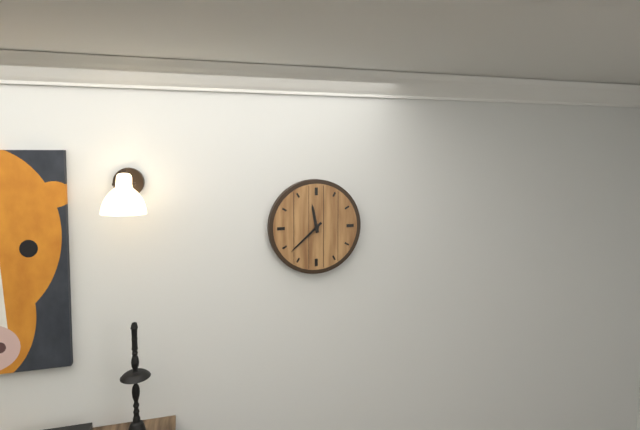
11:38
